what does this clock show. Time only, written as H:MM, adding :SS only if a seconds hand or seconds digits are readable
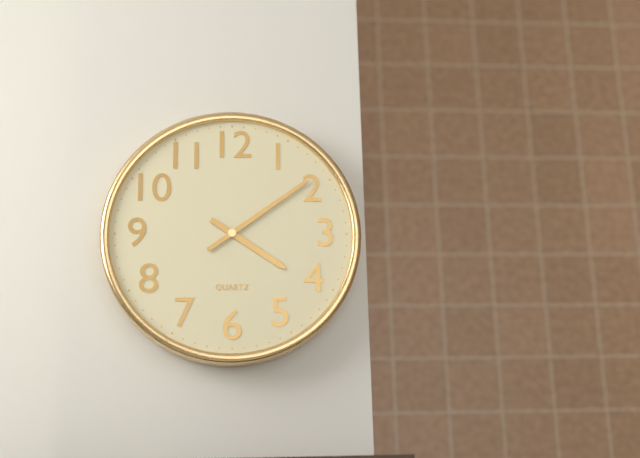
4:09
